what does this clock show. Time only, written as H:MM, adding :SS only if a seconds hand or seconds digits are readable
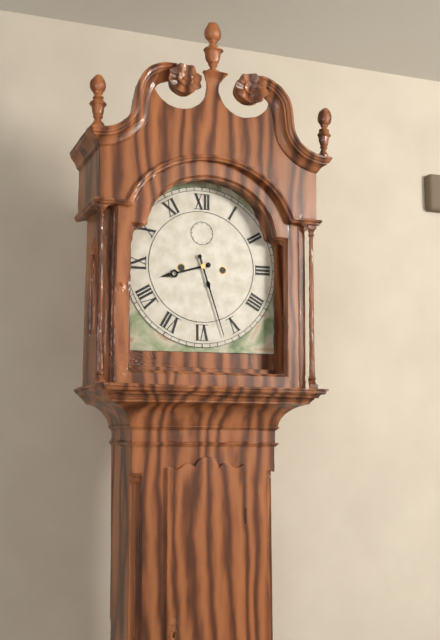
8:27
